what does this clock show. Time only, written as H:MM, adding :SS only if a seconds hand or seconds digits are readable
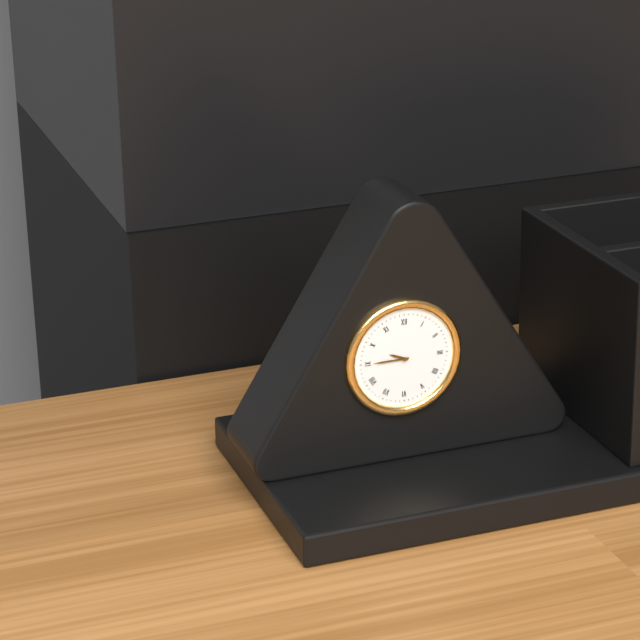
9:45
